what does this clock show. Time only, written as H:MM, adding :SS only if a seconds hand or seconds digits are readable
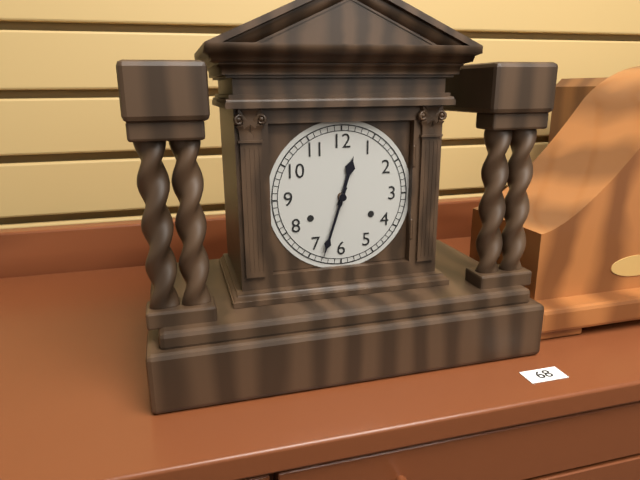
12:33
